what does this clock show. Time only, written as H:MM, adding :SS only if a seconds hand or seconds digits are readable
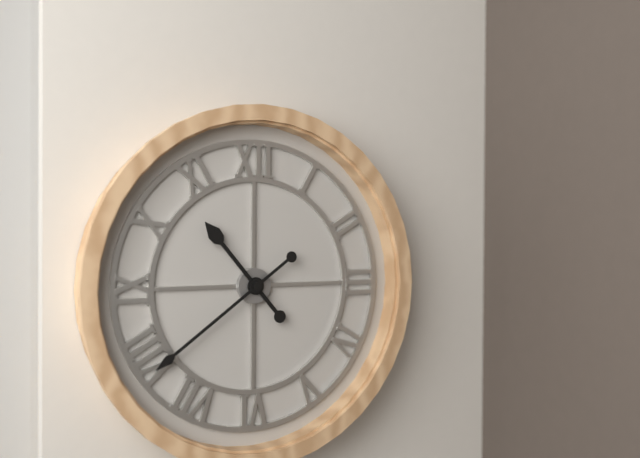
10:39
